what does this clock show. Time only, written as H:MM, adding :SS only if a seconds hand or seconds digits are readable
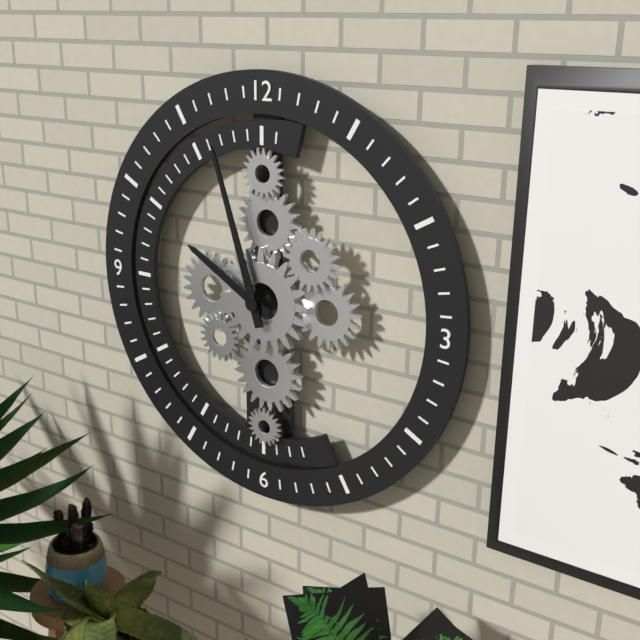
9:57
